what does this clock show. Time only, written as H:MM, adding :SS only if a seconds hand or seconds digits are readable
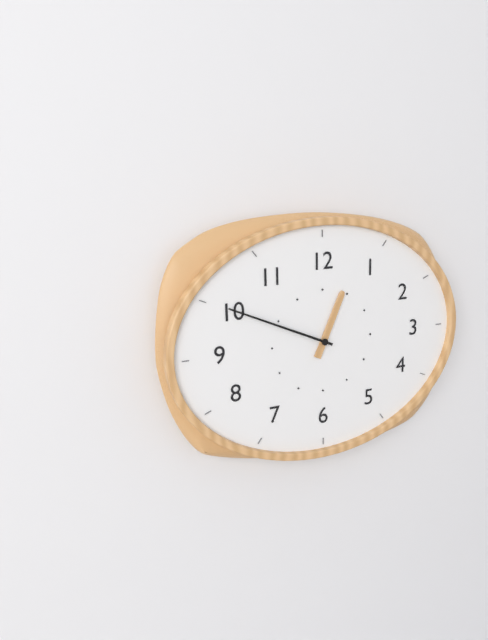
12:49
